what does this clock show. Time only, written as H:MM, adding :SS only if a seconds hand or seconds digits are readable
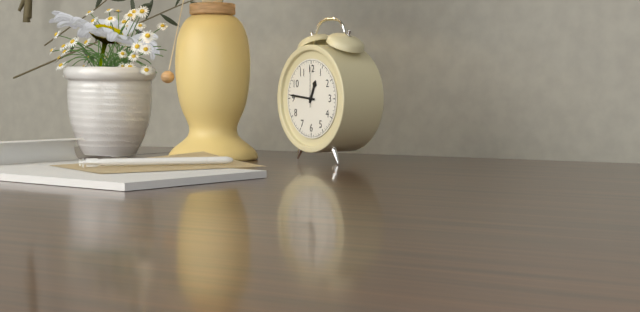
12:46
